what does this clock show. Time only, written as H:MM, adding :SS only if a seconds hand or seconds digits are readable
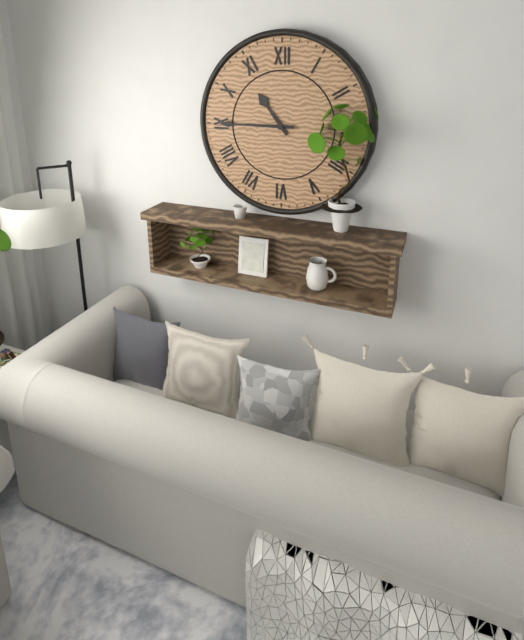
10:45
